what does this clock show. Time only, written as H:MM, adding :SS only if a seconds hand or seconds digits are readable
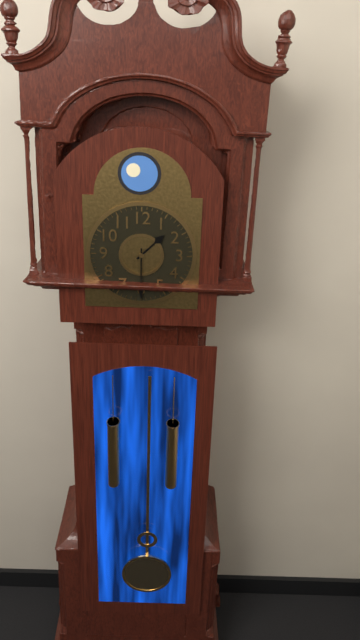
1:30
